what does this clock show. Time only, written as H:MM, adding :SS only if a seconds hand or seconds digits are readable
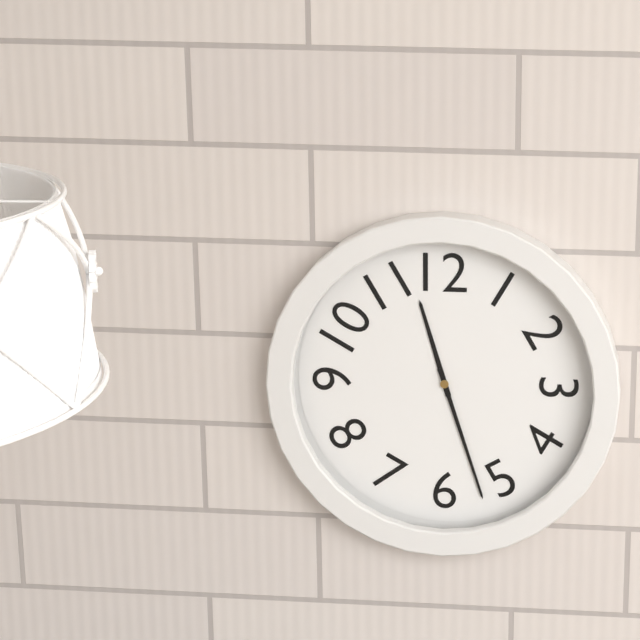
11:27
